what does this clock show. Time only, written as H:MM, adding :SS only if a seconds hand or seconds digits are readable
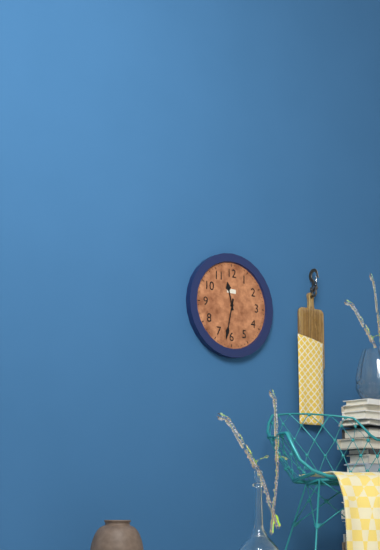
11:32
